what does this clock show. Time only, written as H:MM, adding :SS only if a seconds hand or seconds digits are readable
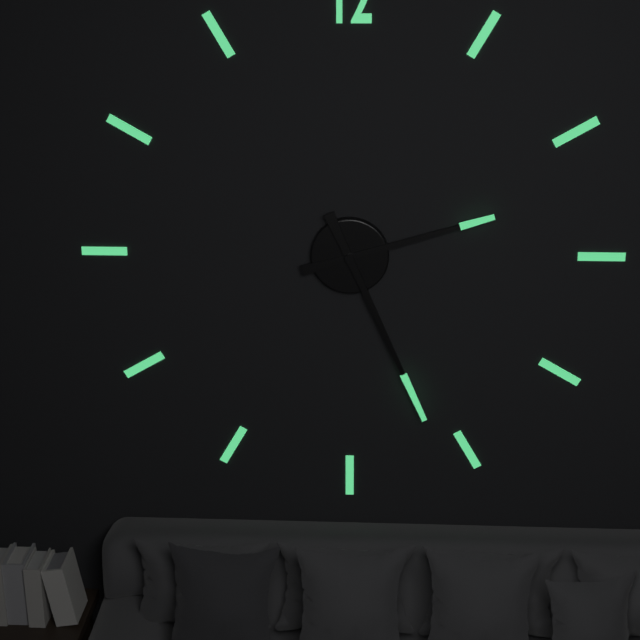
2:26
